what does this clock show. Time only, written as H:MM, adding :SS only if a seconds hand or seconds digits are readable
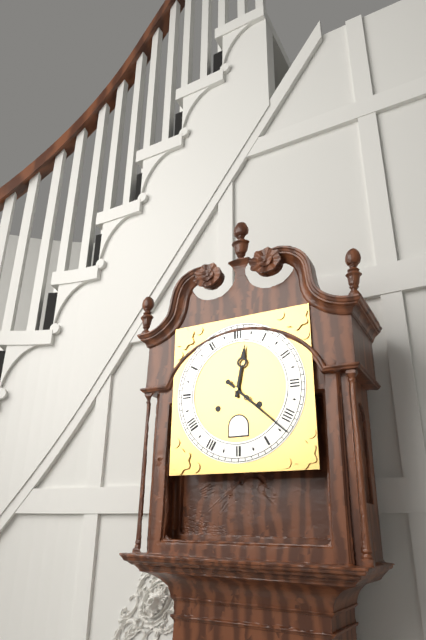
12:22
